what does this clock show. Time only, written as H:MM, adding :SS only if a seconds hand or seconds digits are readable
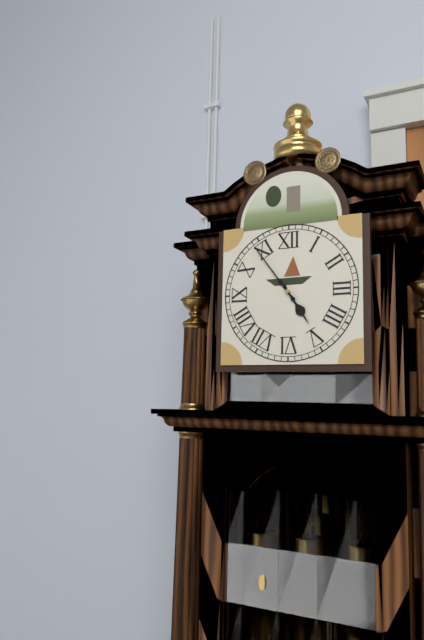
4:54
